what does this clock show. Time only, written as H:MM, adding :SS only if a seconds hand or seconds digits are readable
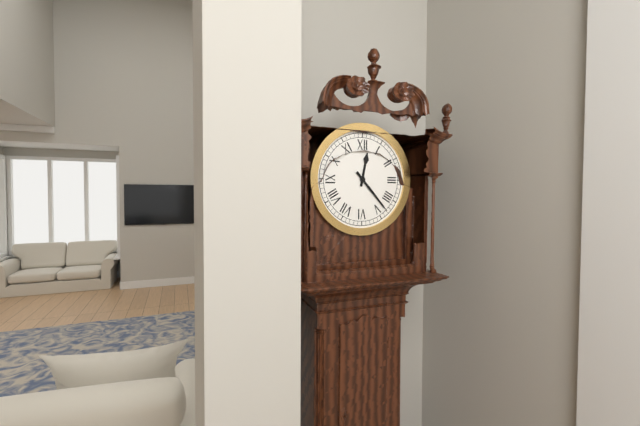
12:23
